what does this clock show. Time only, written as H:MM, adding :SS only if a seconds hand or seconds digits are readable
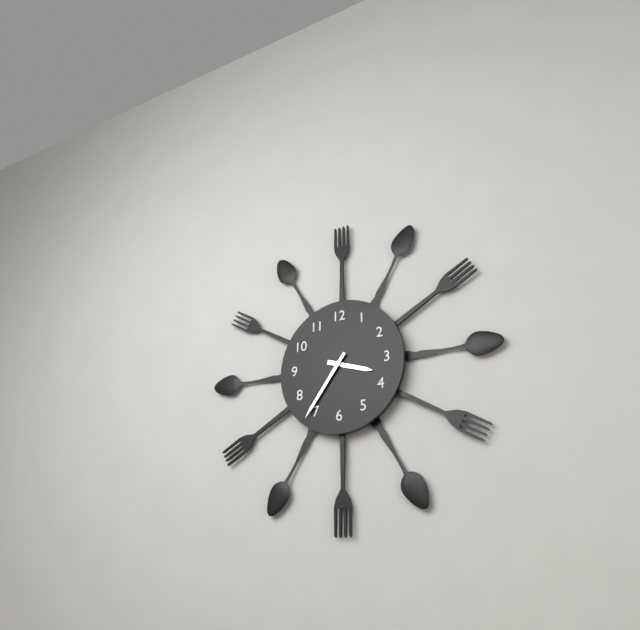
3:36
